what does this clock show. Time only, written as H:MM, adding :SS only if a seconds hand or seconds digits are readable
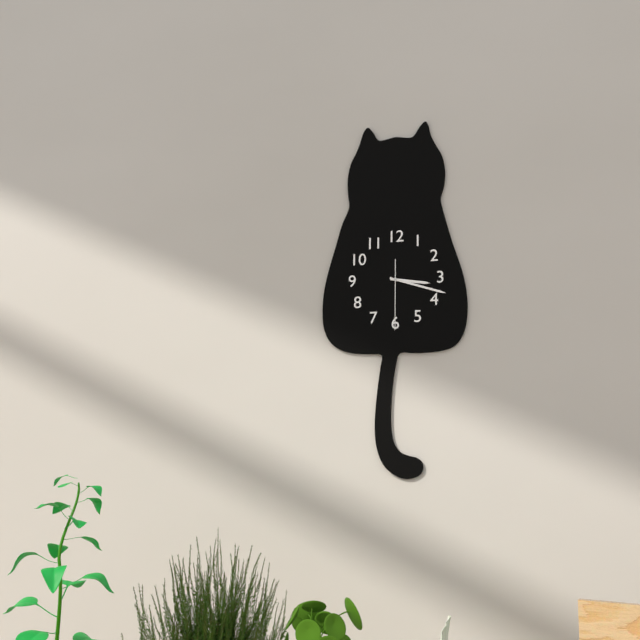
3:18:30
